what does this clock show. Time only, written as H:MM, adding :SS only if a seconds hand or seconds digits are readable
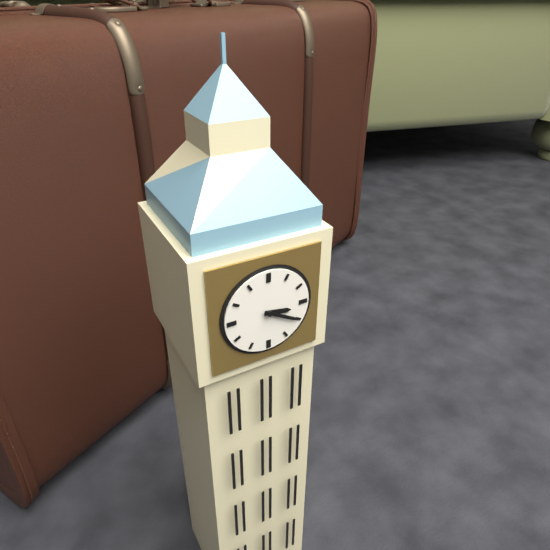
3:20
